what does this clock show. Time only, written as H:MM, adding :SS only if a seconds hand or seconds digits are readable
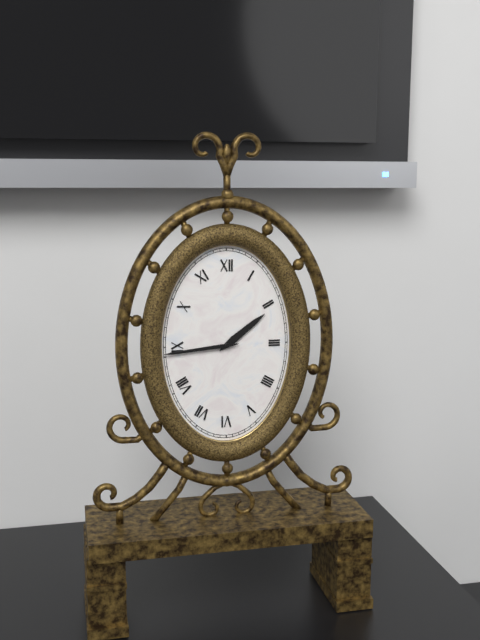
1:44
